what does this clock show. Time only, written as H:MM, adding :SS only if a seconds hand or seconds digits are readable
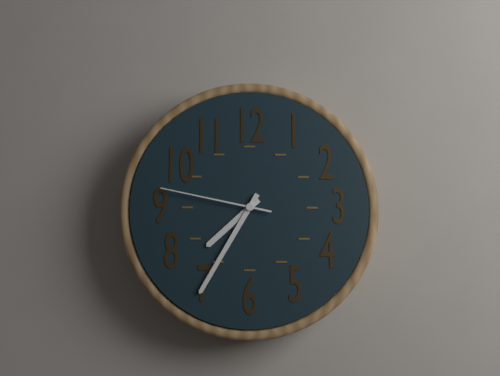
7:35:47
